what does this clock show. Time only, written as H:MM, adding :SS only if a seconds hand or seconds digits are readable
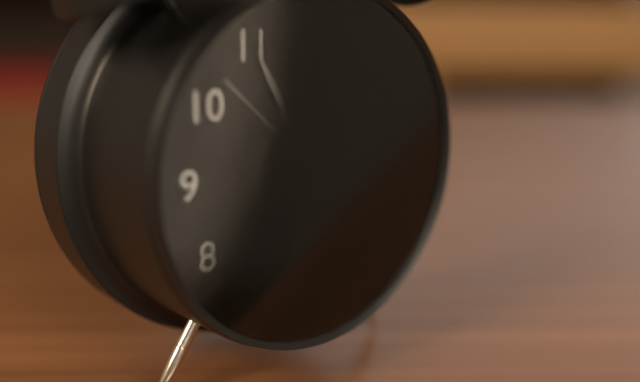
3:55:52
